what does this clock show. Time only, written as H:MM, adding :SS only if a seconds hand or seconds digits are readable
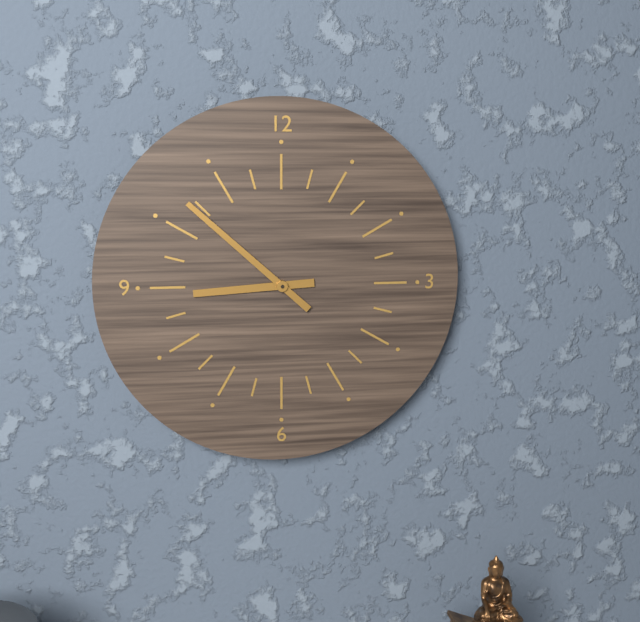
8:52
